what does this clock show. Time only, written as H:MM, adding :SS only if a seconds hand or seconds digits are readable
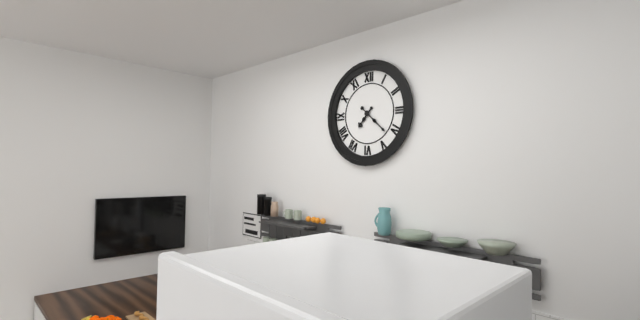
7:22
